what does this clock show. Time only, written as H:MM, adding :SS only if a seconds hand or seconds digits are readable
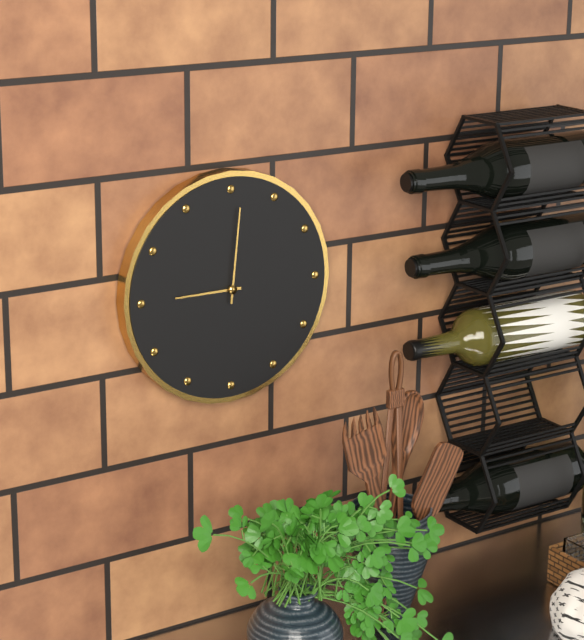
9:01
